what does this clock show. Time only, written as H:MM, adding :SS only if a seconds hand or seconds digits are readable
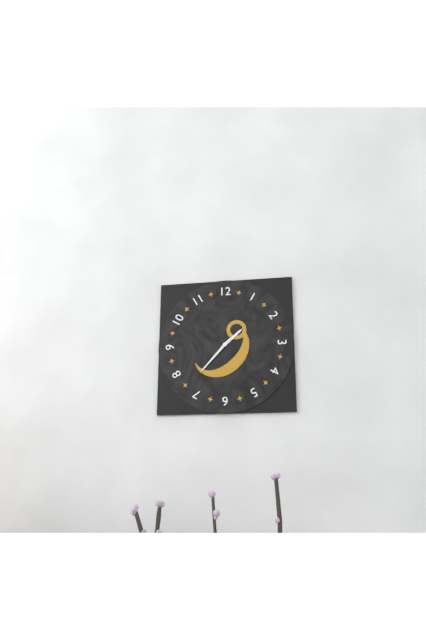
1:37
